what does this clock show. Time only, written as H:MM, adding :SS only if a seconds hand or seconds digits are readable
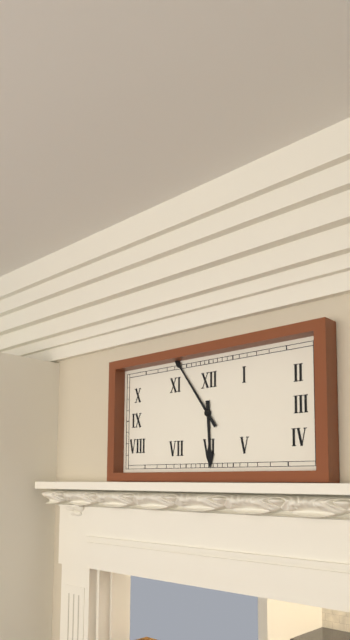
5:54
